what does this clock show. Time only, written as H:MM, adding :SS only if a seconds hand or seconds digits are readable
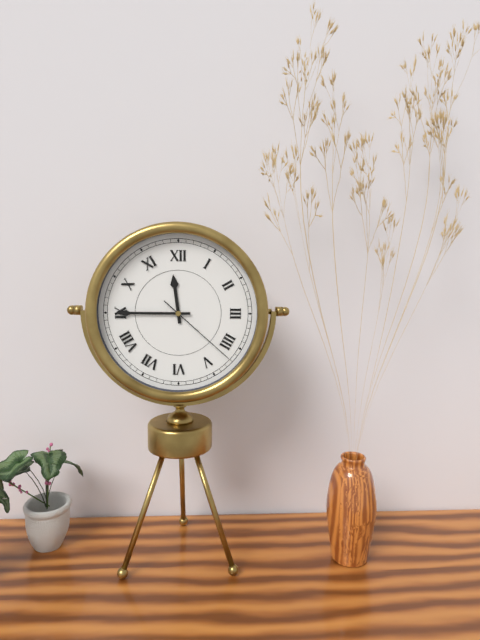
11:45:22
